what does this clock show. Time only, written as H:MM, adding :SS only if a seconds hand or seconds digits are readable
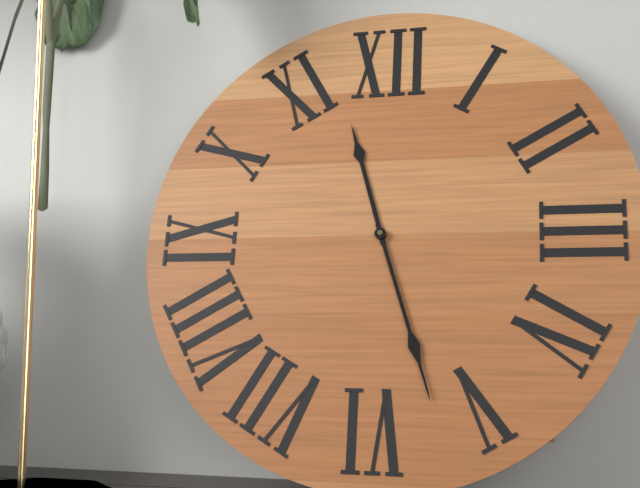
11:27
